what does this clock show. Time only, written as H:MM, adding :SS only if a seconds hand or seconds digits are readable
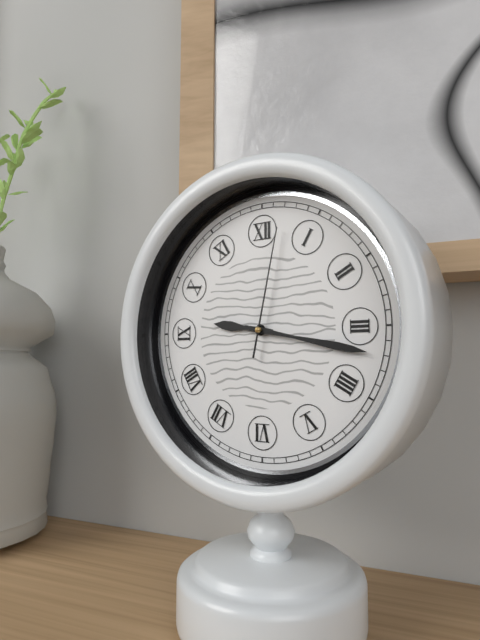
9:17:02
